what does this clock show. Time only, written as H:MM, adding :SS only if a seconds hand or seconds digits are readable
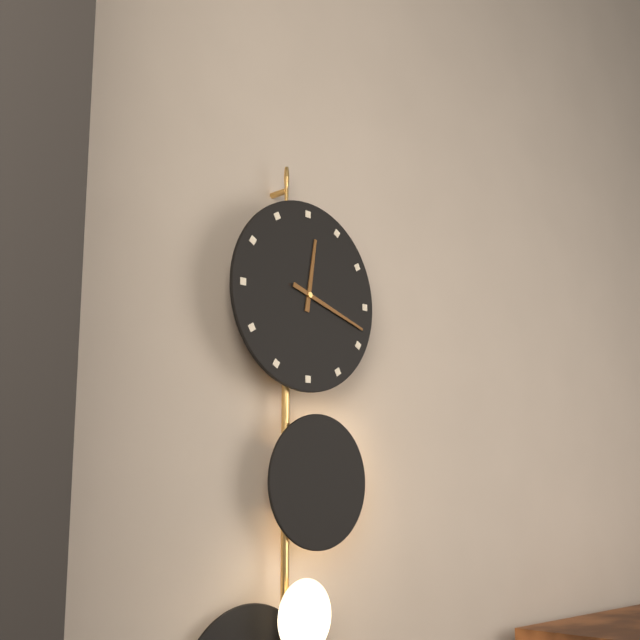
12:18
